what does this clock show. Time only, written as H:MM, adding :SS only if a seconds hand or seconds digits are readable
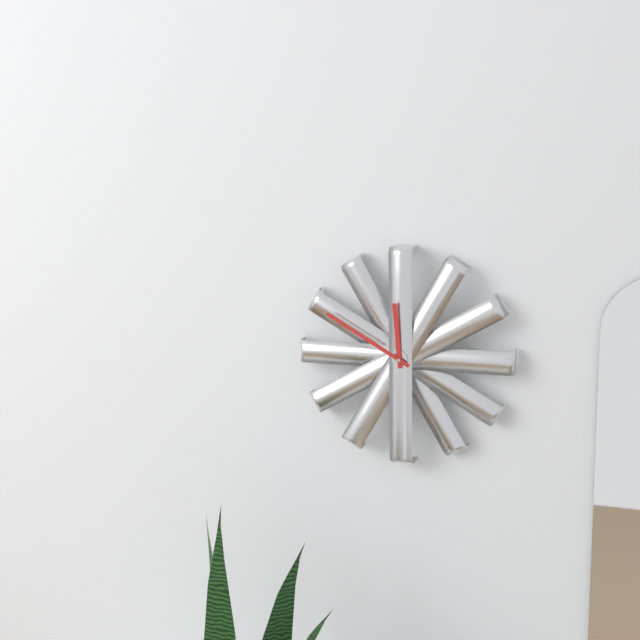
11:50
